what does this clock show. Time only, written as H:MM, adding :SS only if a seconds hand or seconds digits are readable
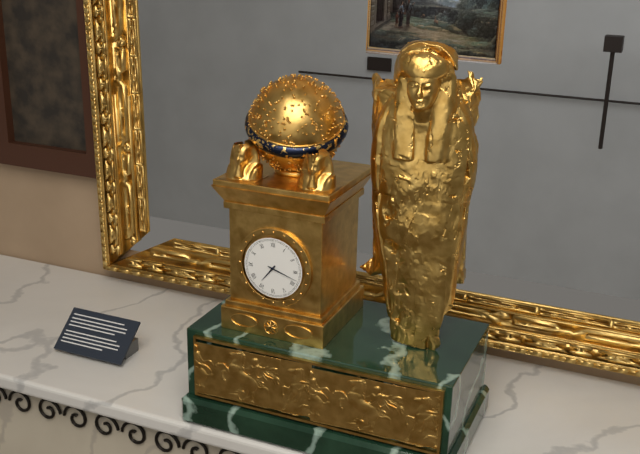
7:18
